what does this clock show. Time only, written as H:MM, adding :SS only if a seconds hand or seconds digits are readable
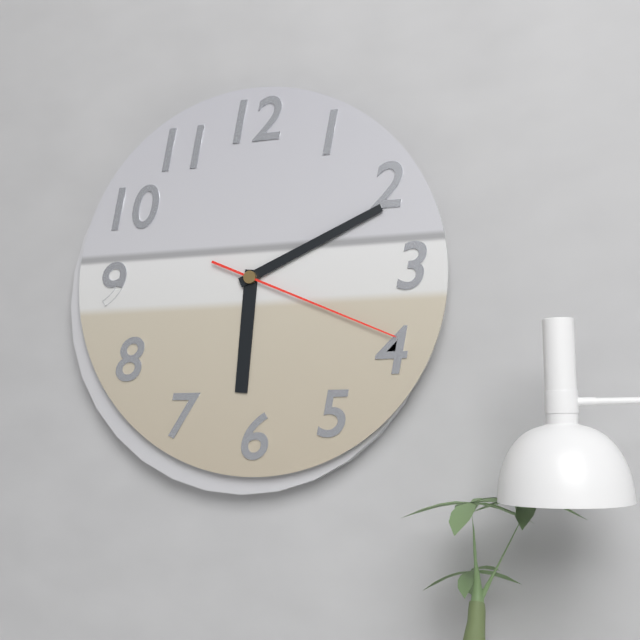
6:11:19
